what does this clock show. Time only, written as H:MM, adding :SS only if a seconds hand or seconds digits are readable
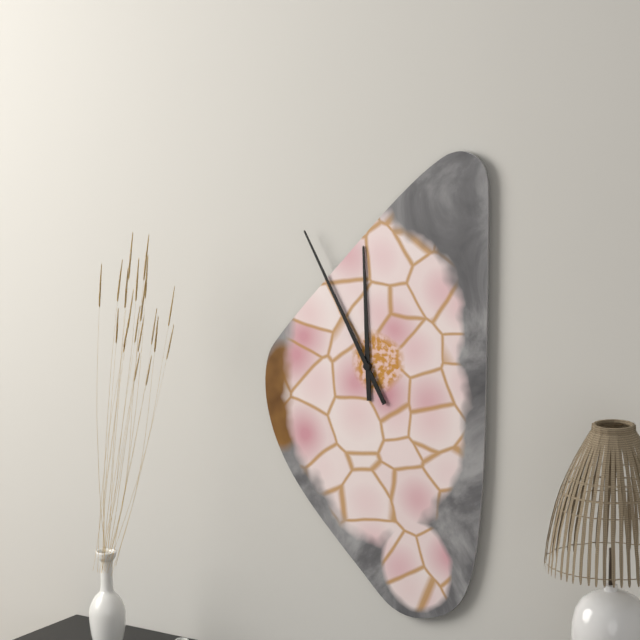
11:55
